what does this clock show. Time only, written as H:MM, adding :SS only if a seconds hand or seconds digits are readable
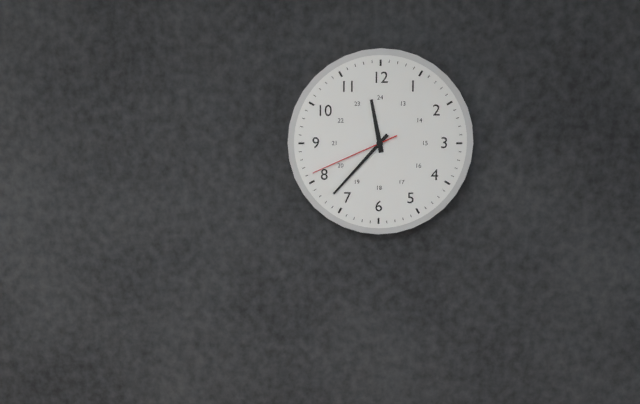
11:37:41
